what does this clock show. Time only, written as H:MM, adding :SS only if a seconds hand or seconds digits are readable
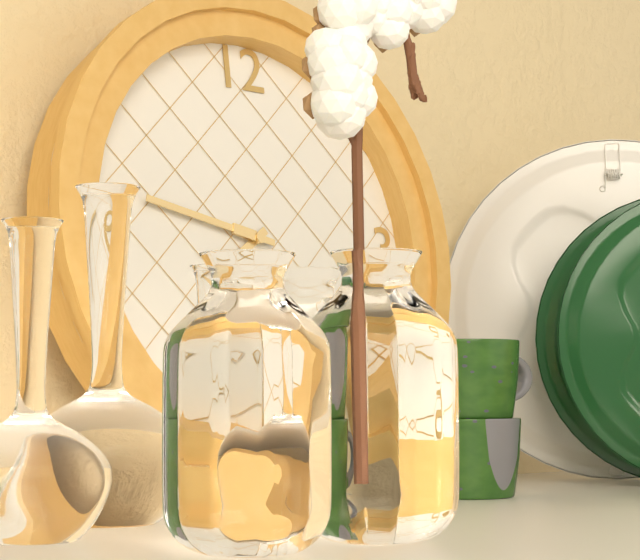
7:47
